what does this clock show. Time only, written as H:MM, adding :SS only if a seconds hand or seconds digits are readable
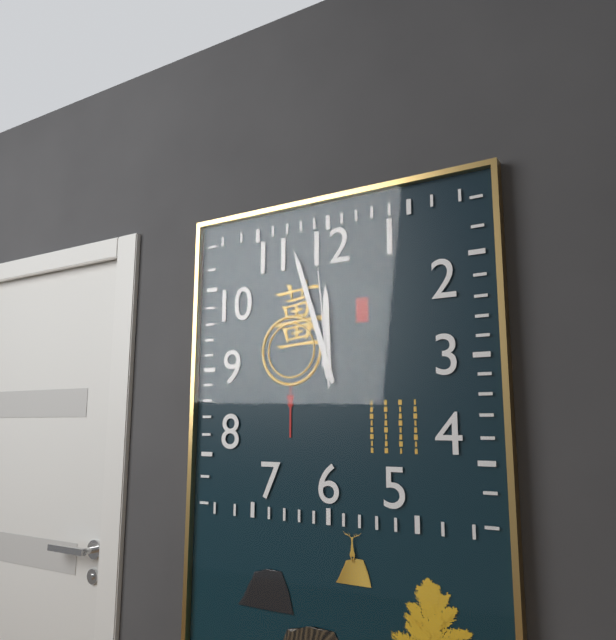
11:57:59
